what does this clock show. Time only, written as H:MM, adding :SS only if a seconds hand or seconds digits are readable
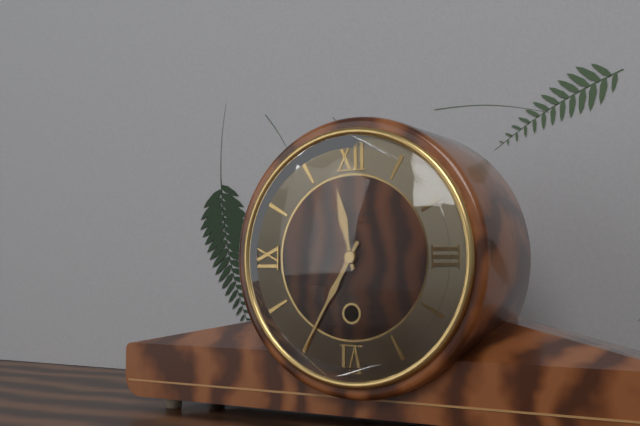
11:35
